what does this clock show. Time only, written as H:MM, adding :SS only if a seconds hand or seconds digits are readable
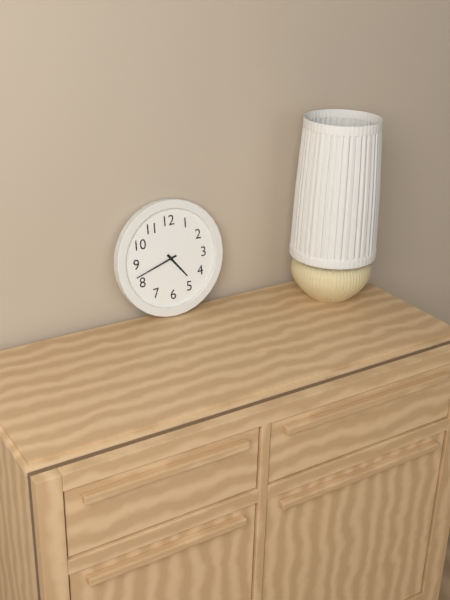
4:42
